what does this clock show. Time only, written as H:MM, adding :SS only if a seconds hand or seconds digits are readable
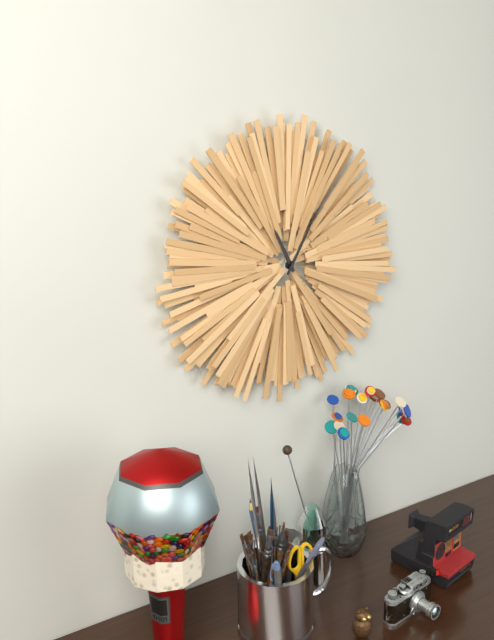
11:05
